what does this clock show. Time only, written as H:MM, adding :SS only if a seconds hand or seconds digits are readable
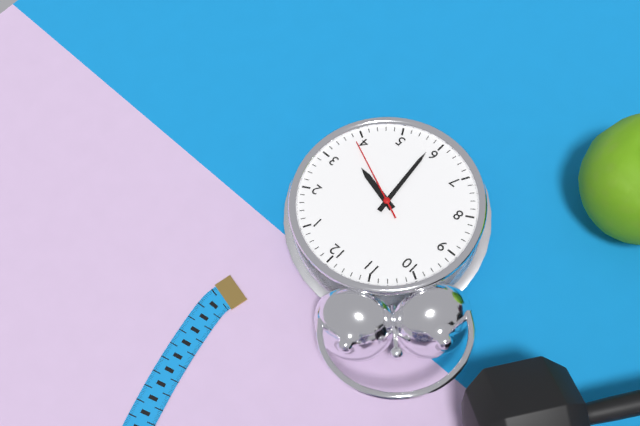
3:29:19
